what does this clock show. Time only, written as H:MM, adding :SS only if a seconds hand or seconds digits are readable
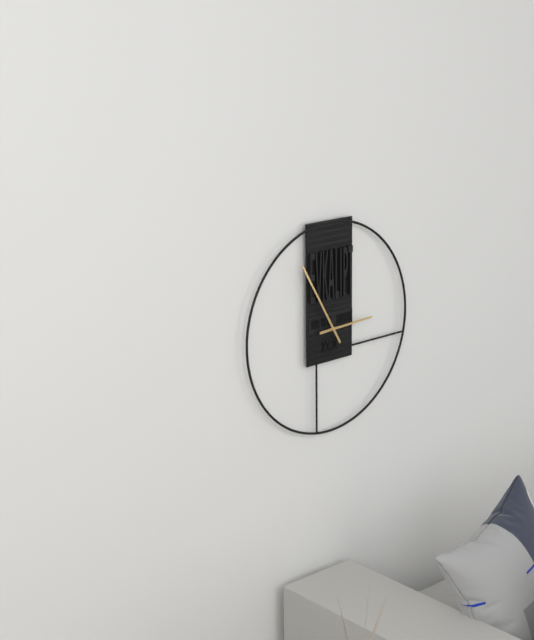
2:55
